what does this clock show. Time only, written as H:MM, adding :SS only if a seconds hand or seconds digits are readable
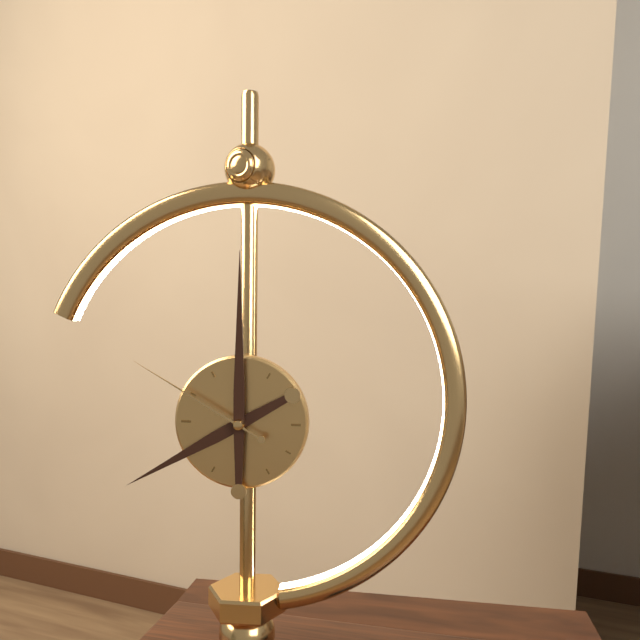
8:00:50
